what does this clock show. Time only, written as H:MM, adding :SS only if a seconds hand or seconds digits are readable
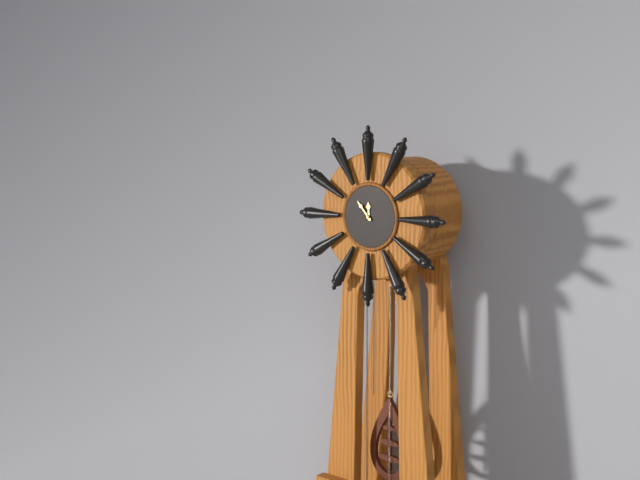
11:53
